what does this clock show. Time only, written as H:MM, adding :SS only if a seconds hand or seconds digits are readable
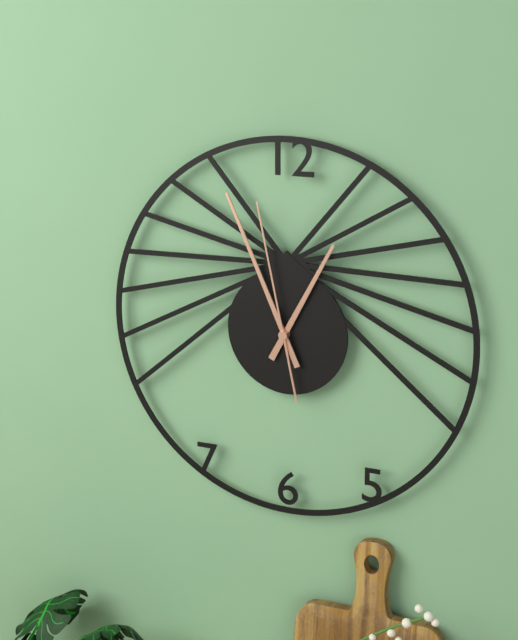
12:56:58
